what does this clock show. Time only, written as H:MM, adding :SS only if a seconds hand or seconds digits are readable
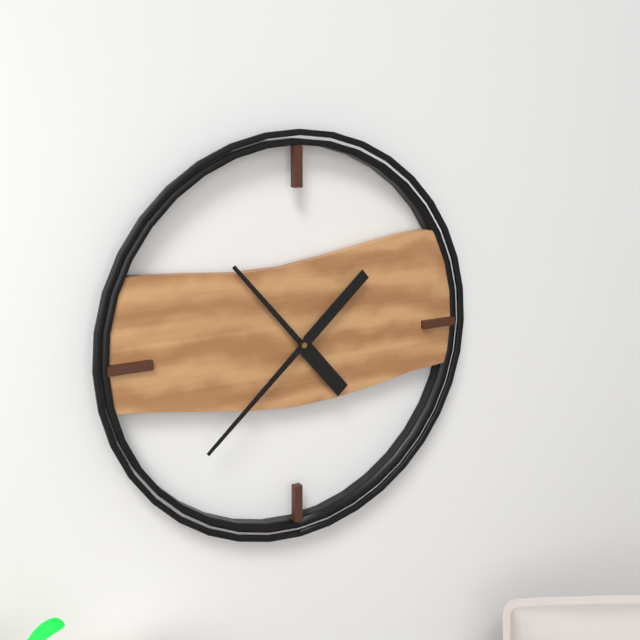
10:38
